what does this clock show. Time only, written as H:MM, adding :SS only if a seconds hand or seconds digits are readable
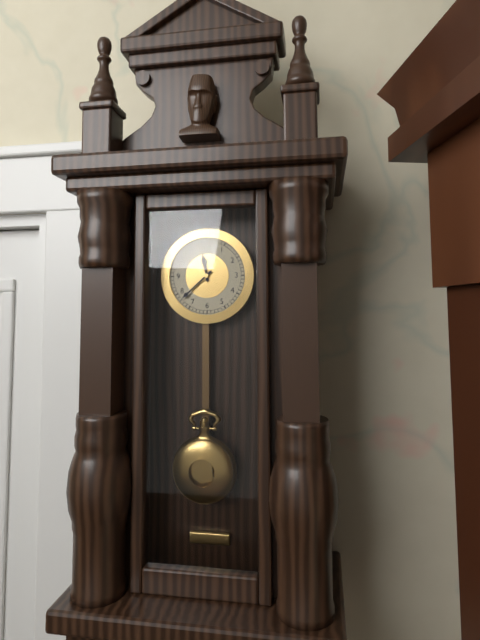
11:38
